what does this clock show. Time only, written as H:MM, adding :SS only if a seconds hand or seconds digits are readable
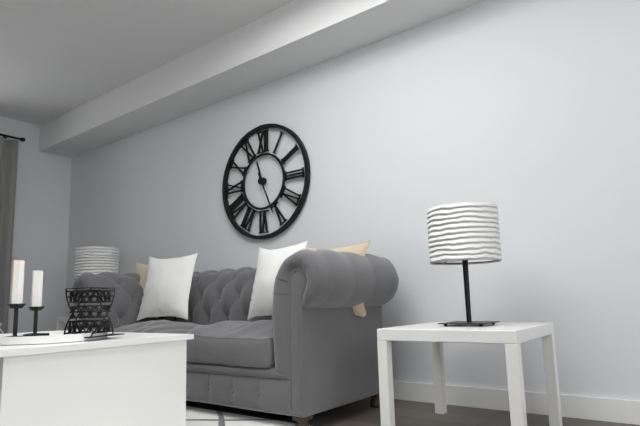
11:26
